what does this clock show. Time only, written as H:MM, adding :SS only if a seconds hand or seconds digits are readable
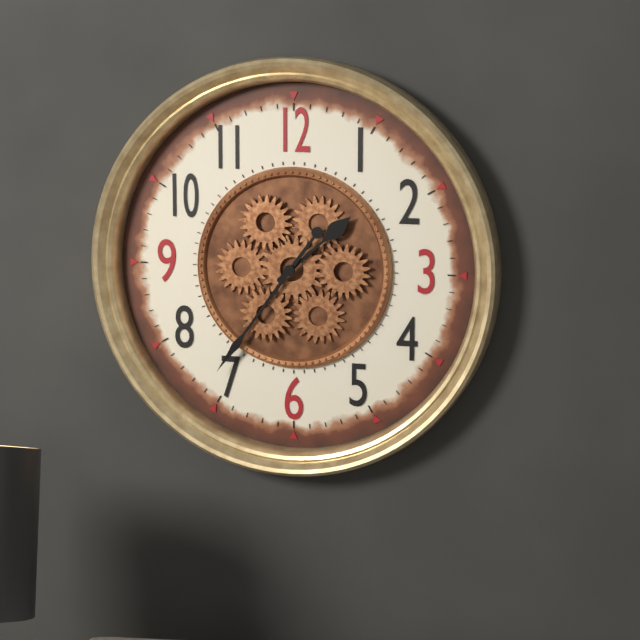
1:36
